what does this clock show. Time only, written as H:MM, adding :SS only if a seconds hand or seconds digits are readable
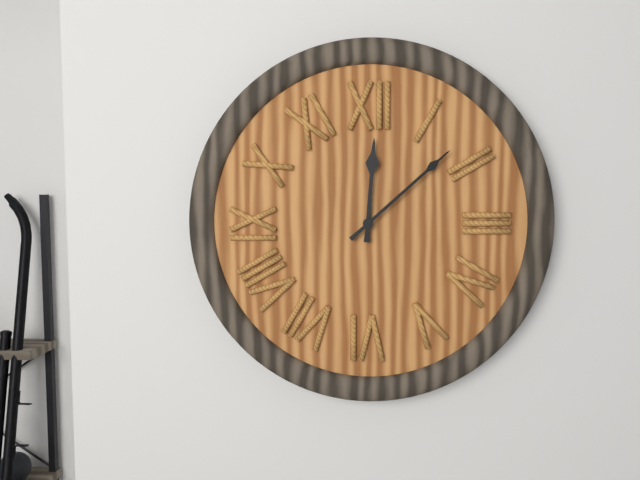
12:08
